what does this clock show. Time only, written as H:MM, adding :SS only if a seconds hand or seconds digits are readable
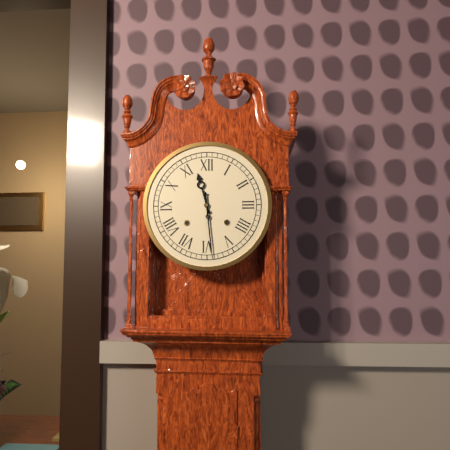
11:29
